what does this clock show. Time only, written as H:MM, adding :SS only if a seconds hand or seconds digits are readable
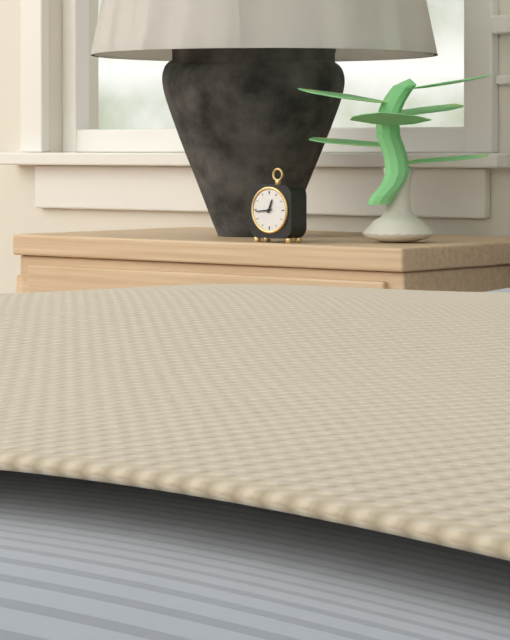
12:44
